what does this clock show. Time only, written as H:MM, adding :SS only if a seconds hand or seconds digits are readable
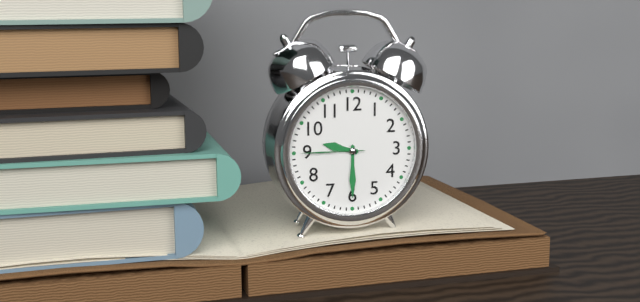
9:30:45
